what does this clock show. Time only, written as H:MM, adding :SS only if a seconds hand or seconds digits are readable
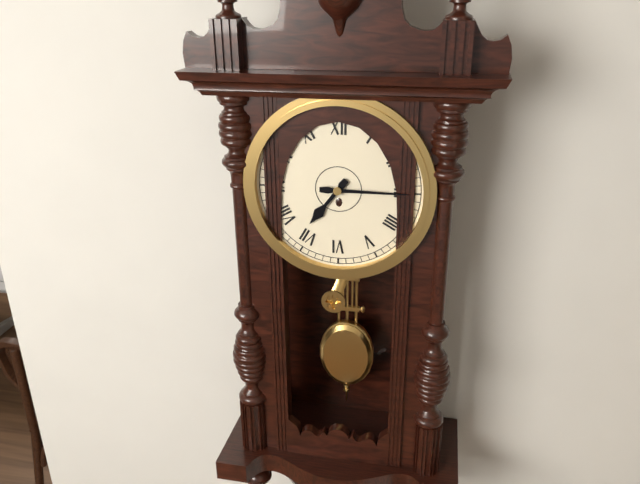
7:15
